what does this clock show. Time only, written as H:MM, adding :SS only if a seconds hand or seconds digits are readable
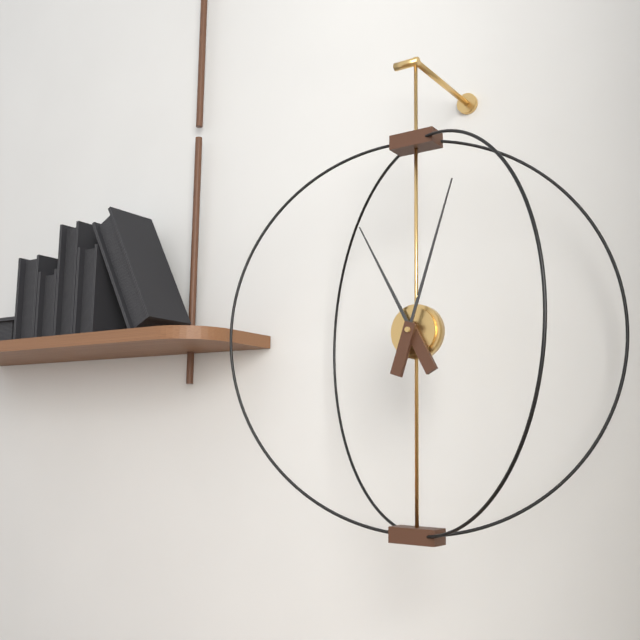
11:03
